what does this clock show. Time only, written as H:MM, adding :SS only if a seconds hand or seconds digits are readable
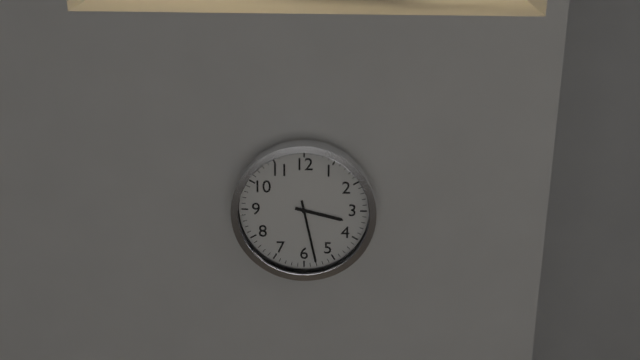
3:28
